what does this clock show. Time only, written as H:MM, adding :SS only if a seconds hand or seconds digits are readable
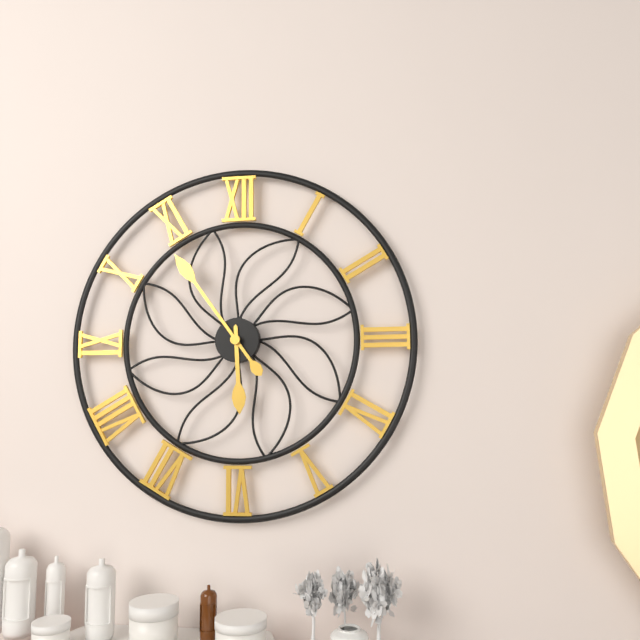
5:54
